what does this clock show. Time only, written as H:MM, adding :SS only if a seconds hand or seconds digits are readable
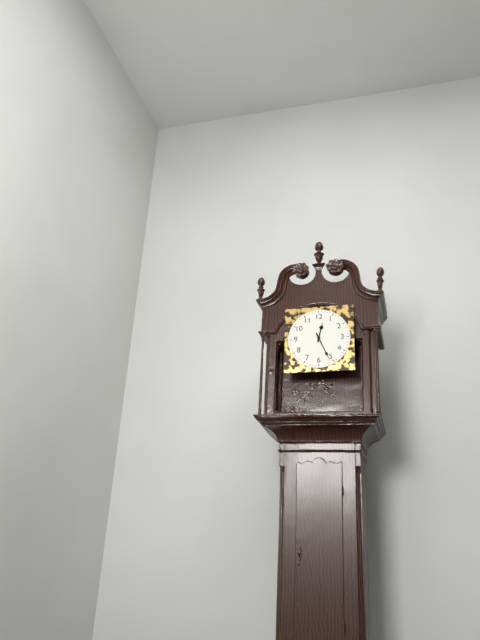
12:26
